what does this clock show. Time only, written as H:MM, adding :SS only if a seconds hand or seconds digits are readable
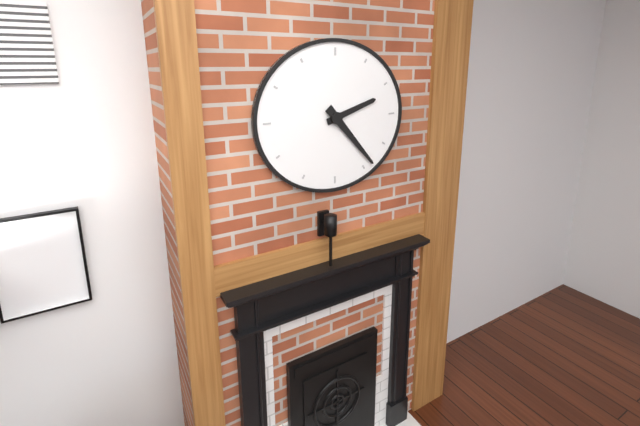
2:23
